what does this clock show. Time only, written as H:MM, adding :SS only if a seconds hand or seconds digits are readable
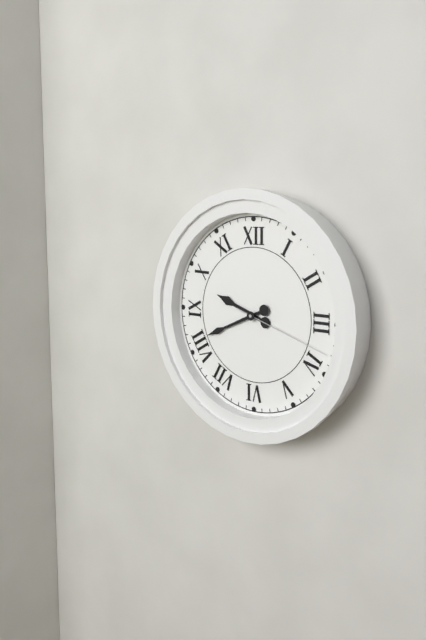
9:41:18
